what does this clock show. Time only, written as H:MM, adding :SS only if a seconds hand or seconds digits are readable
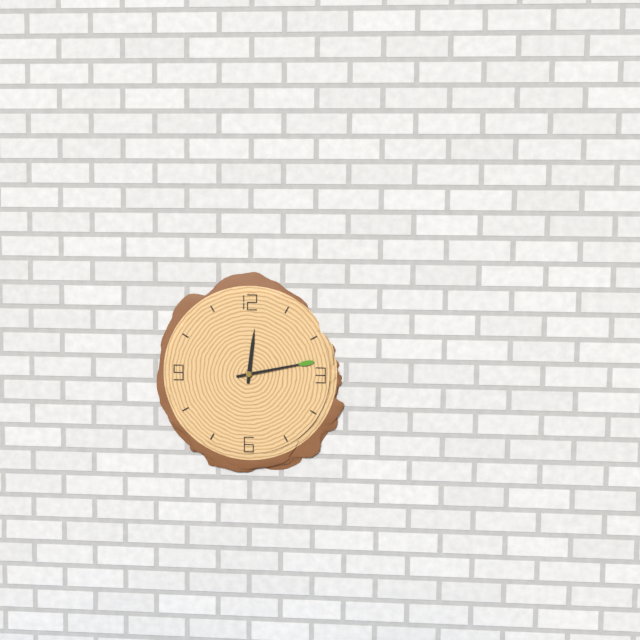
12:13
